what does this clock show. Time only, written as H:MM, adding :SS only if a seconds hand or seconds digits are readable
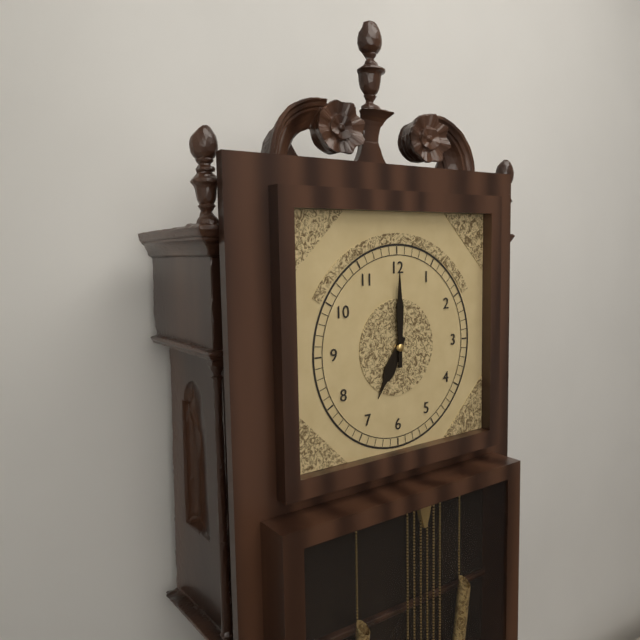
7:00
